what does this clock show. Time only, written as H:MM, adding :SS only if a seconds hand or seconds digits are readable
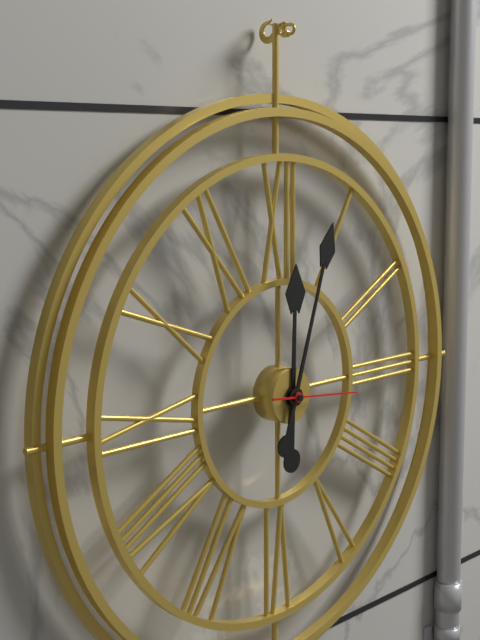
12:03:16
